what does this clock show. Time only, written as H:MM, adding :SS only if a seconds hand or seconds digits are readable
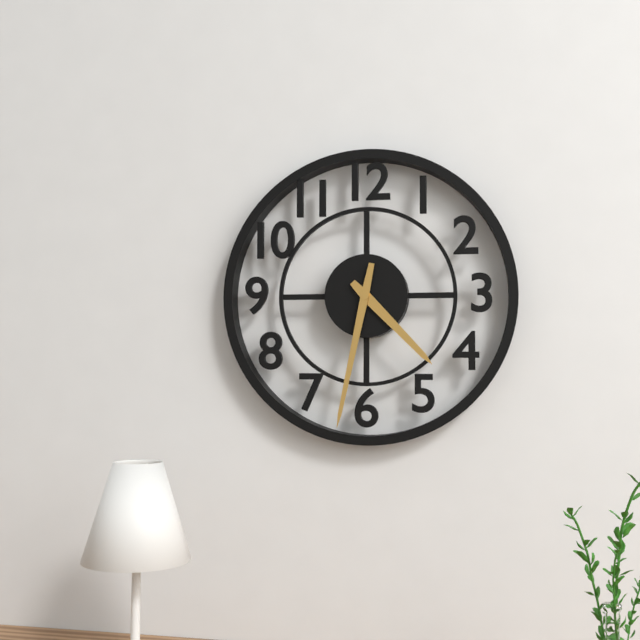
4:32
